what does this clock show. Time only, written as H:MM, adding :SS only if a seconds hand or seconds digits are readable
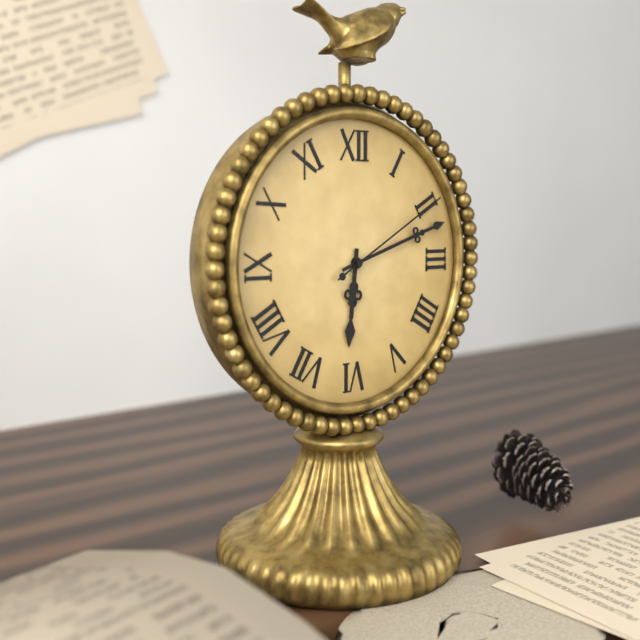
6:12:10
